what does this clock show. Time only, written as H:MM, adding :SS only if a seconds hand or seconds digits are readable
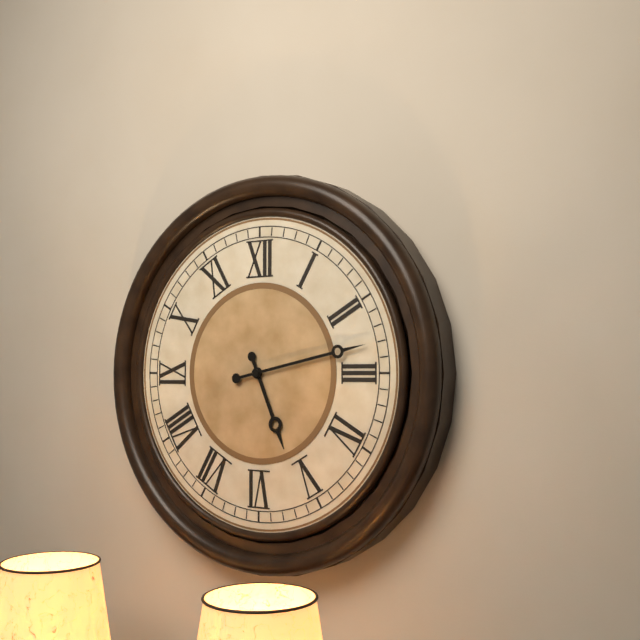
5:13
